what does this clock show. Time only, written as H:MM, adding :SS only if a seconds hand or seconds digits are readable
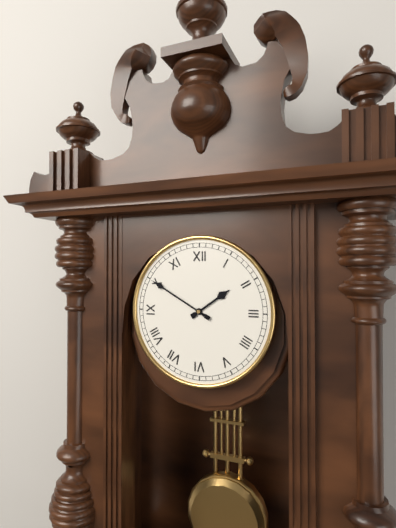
1:50
